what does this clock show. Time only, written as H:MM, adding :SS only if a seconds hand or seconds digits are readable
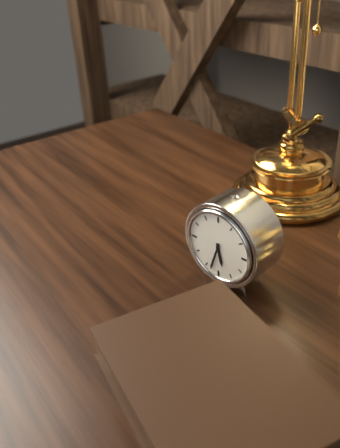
5:33
